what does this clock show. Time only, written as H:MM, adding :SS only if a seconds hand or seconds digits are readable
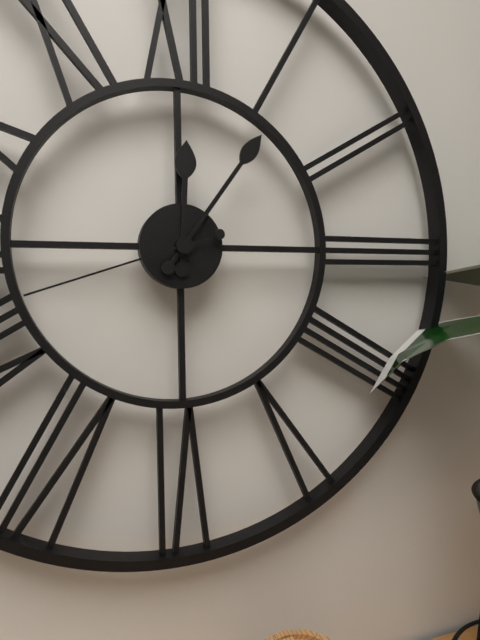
12:06:42
